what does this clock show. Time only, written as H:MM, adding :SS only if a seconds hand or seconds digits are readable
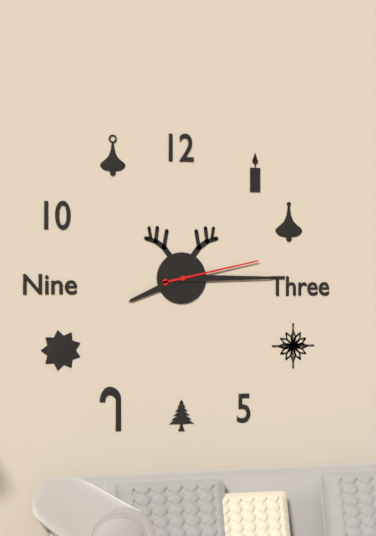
8:15:13
